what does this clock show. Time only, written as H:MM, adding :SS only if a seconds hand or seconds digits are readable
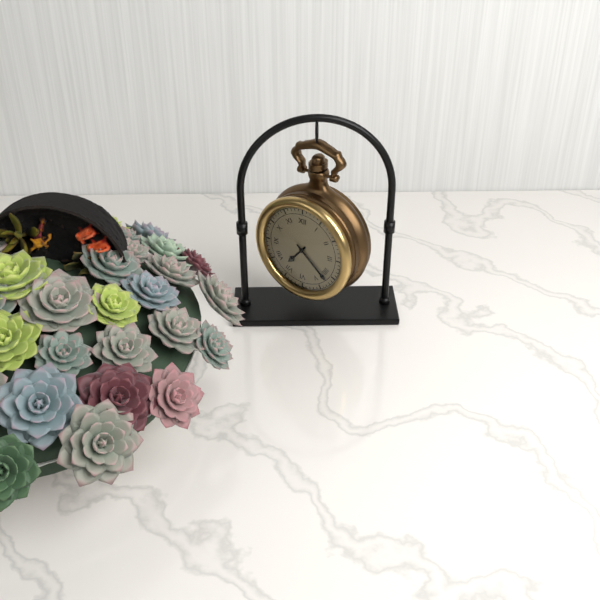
7:22
